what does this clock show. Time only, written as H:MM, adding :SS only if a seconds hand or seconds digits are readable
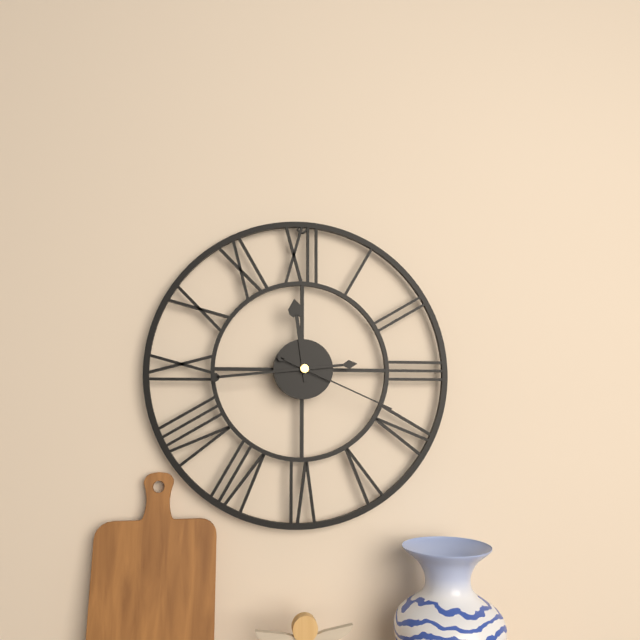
11:44:19
